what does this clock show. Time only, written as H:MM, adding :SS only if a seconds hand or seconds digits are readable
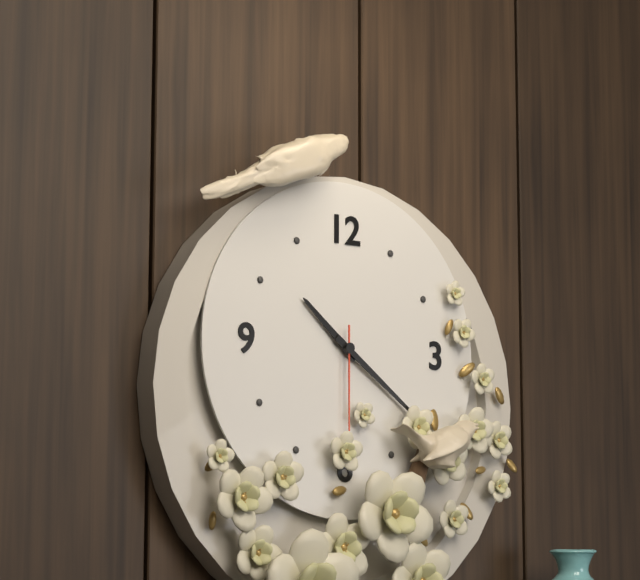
10:21:30
